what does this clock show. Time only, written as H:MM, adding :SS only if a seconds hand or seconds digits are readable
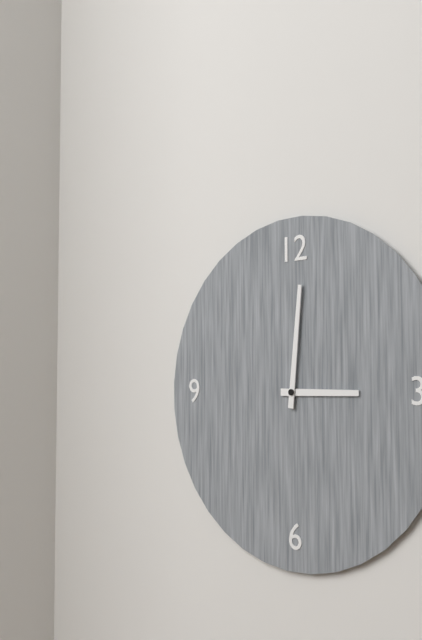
3:01
